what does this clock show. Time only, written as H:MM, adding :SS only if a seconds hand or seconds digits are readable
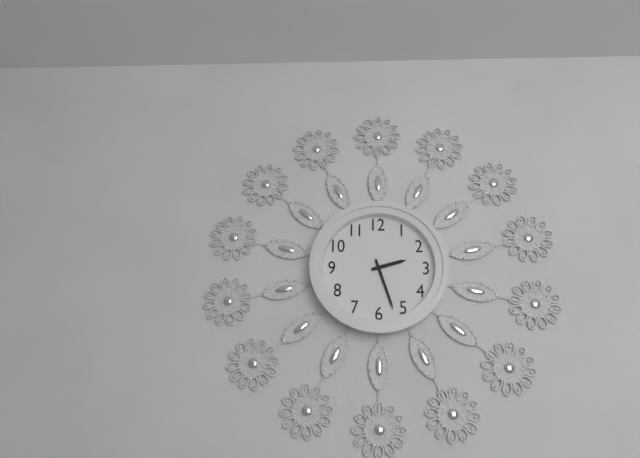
2:27
